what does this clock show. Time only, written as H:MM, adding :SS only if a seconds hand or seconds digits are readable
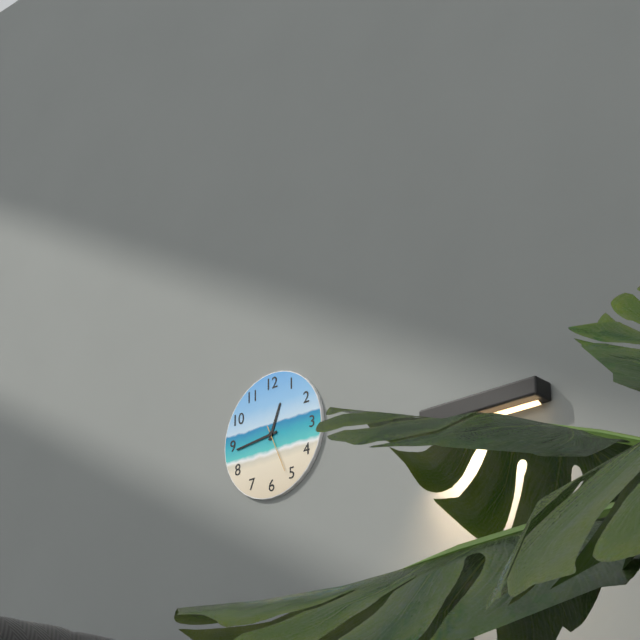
12:44
